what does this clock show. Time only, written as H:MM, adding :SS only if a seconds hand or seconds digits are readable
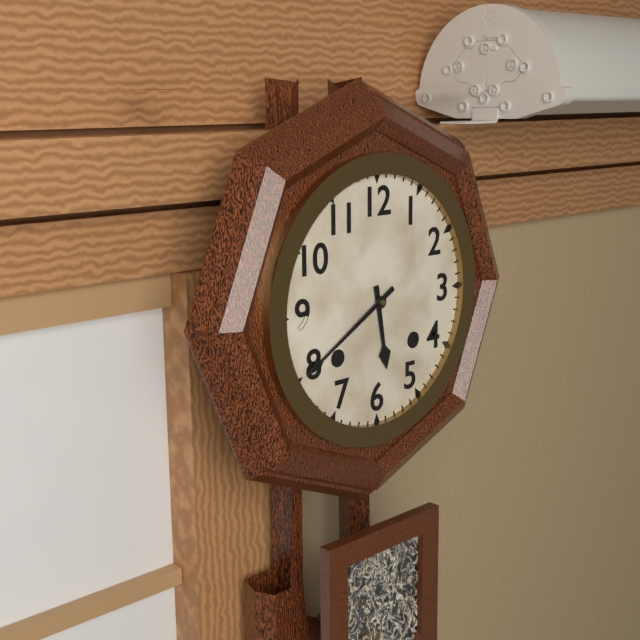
5:40
